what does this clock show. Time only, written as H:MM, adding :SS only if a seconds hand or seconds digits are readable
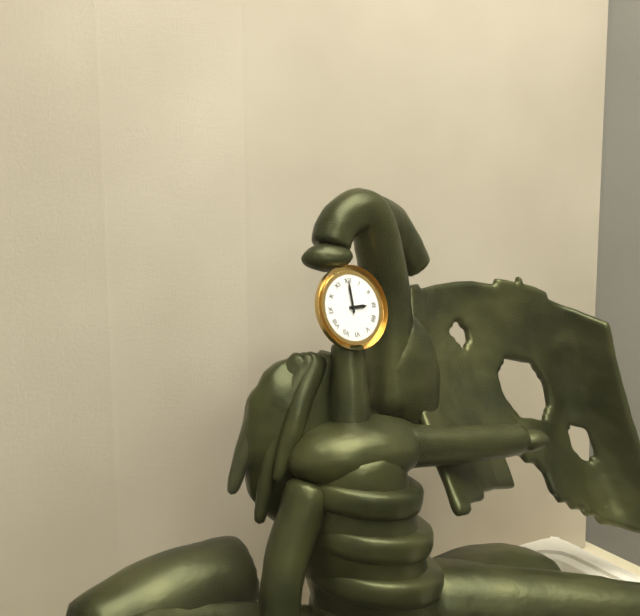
3:00
